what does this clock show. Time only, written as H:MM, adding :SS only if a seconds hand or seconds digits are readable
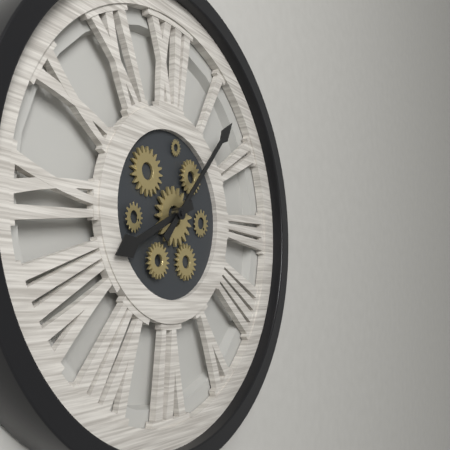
8:07
